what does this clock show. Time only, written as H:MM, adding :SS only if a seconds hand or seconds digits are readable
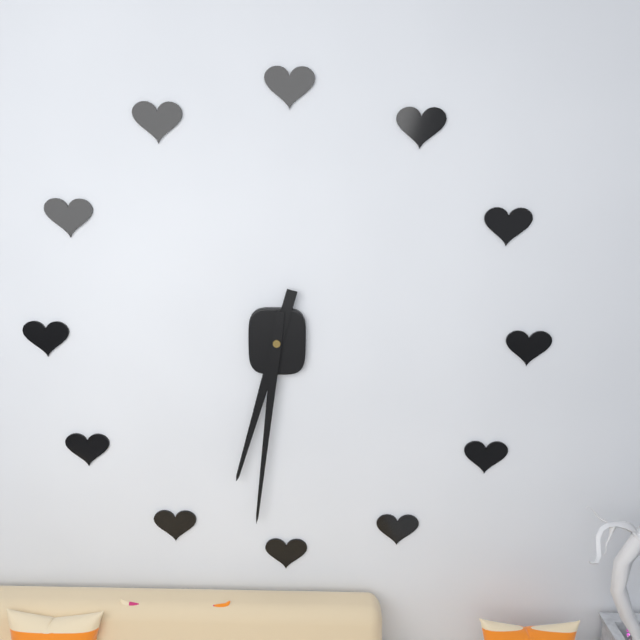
6:31
